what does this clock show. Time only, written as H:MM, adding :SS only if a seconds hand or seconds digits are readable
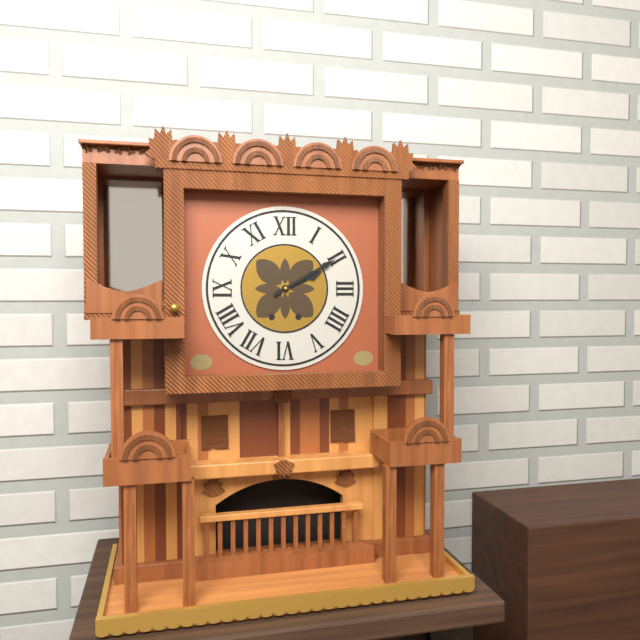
2:10
